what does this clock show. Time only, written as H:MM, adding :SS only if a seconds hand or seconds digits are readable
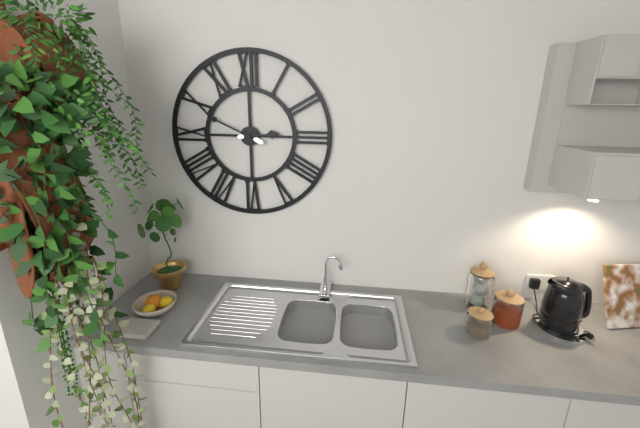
2:49
